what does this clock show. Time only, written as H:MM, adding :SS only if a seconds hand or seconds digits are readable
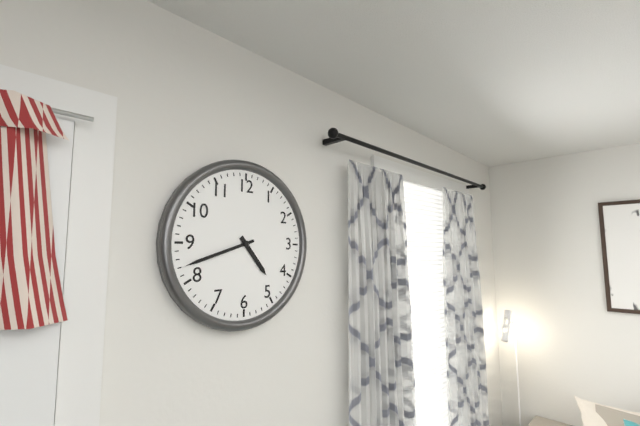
4:42
